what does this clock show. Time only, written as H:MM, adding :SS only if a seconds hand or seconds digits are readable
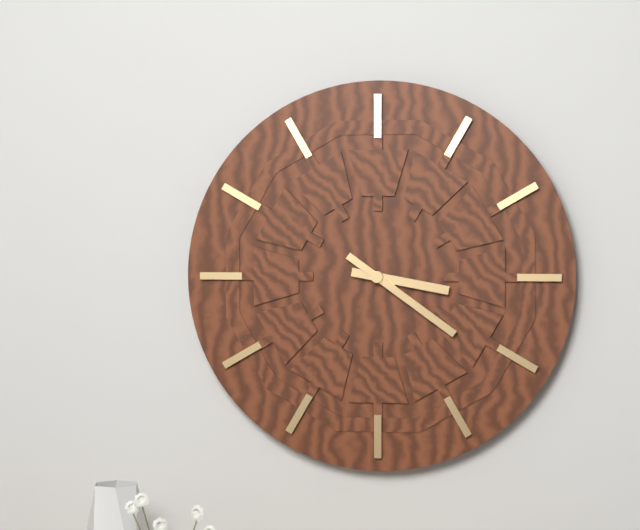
3:21
